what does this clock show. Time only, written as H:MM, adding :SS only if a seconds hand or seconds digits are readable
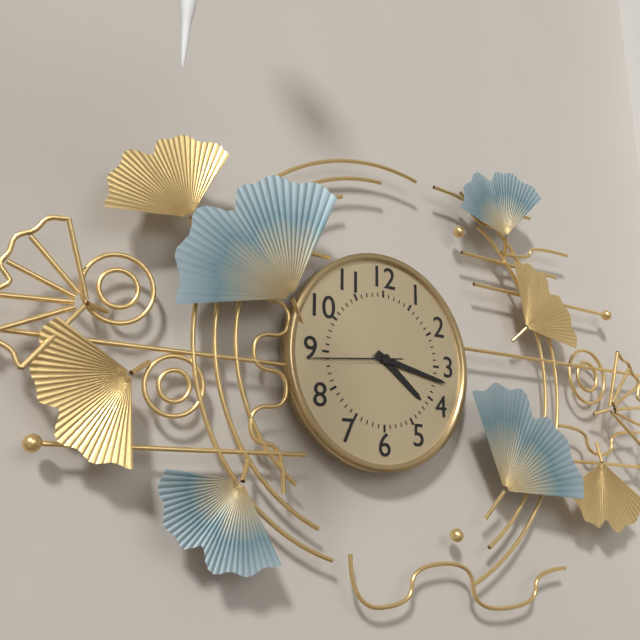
4:17:44
